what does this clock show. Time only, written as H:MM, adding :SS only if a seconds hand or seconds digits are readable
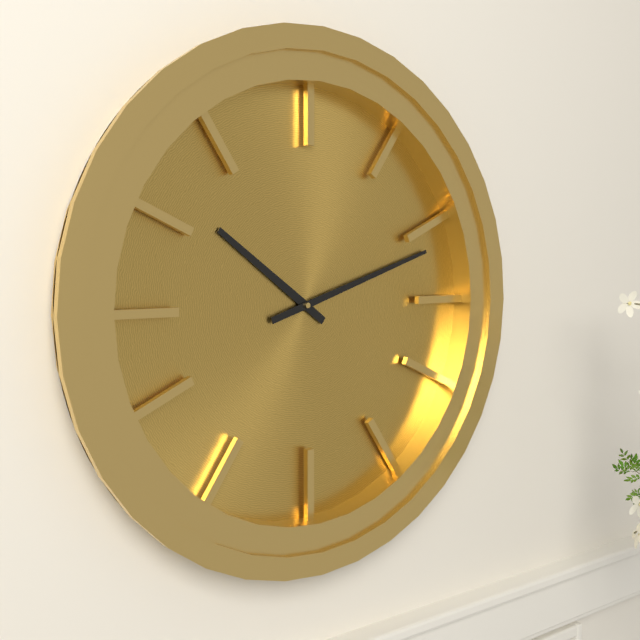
10:12
